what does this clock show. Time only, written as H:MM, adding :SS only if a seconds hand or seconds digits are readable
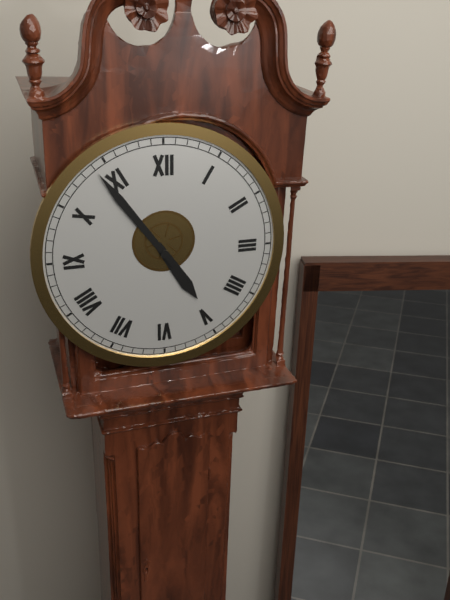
4:54
